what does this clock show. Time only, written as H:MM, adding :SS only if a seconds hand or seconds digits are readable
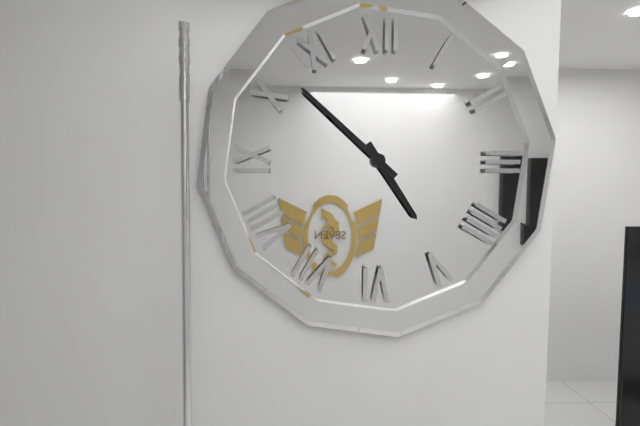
4:52
